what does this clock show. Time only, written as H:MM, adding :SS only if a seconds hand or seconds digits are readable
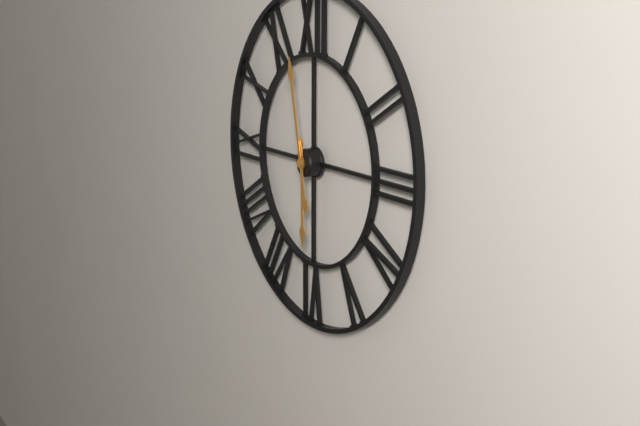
5:58
